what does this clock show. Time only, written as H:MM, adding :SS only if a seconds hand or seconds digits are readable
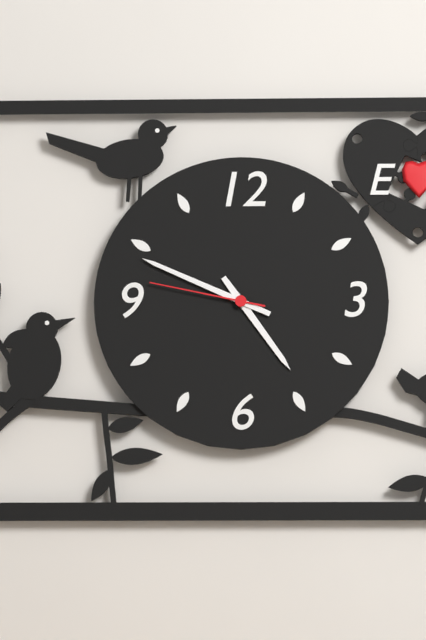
4:49:47
